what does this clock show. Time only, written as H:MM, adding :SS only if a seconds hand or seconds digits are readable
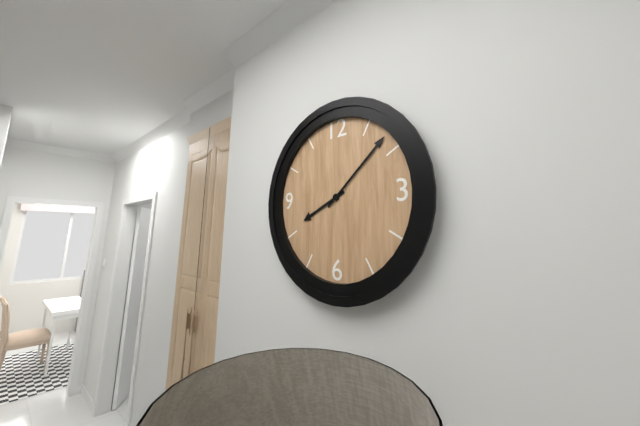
8:08
